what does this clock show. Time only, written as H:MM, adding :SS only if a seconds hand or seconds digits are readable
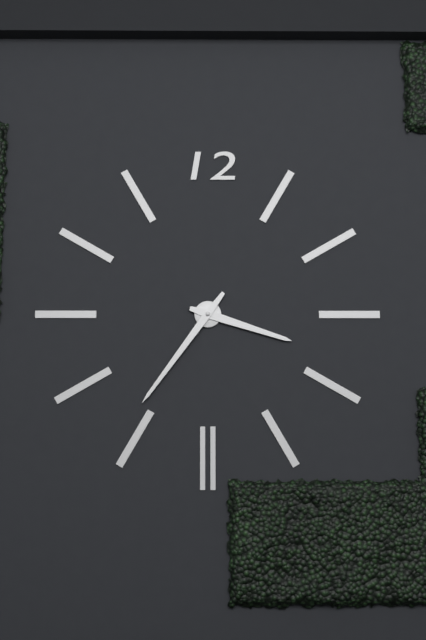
3:36
